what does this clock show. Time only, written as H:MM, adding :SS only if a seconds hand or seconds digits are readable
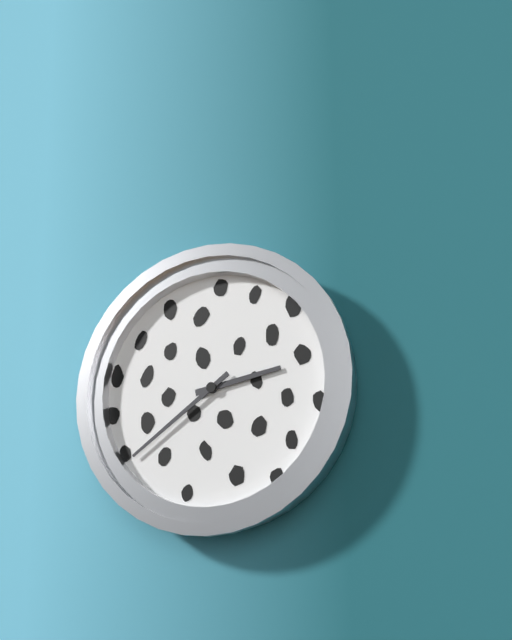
2:39
